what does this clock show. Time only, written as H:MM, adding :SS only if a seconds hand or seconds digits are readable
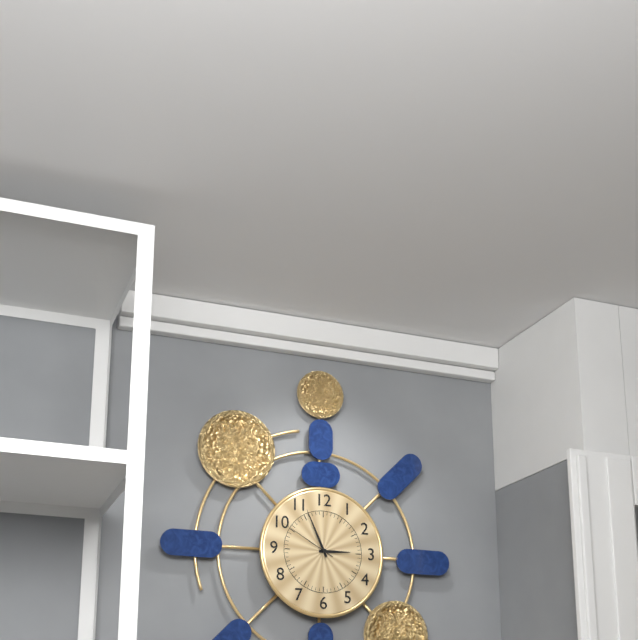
2:56:50
